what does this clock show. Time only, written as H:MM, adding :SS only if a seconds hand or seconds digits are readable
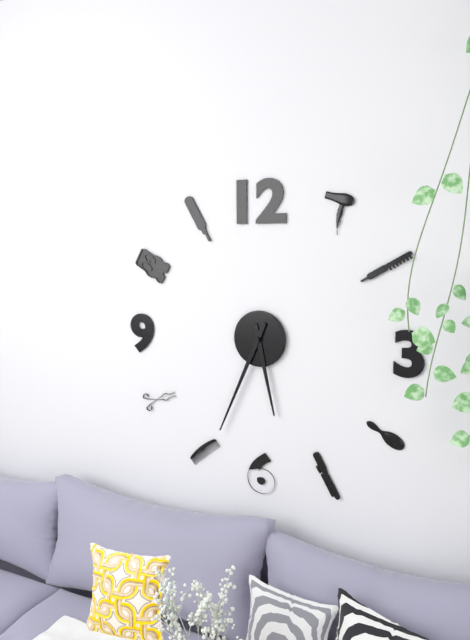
5:34
